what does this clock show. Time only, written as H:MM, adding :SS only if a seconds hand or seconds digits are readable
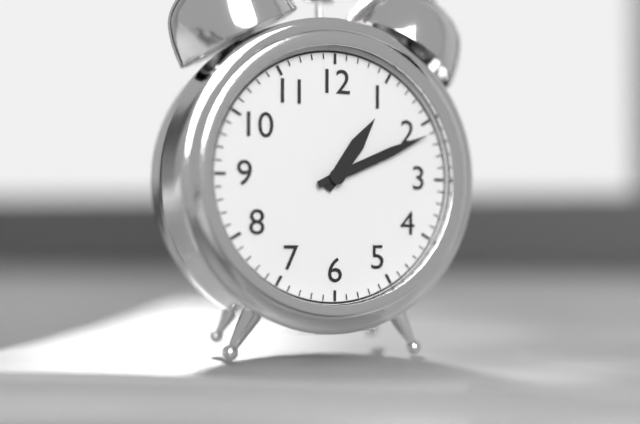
1:11
